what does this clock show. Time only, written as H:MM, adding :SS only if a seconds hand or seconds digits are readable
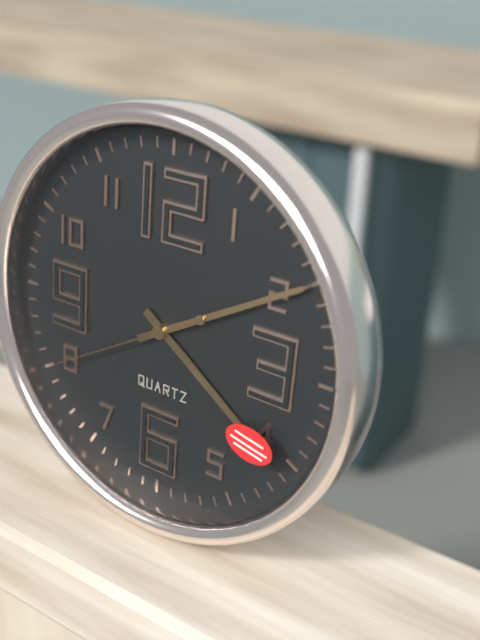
4:10:40
